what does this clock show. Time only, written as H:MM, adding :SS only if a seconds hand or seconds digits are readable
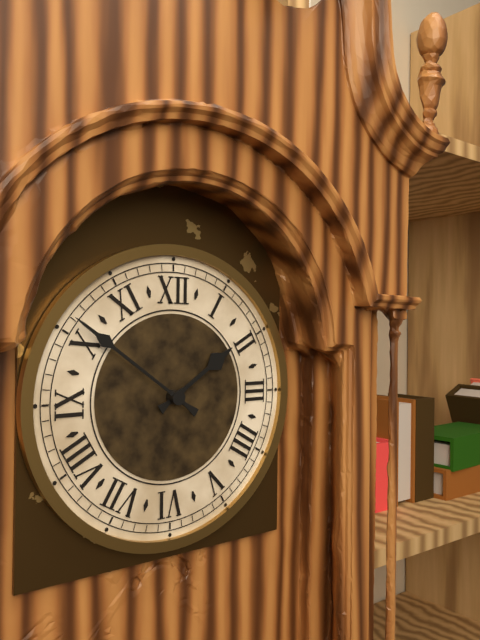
1:51
